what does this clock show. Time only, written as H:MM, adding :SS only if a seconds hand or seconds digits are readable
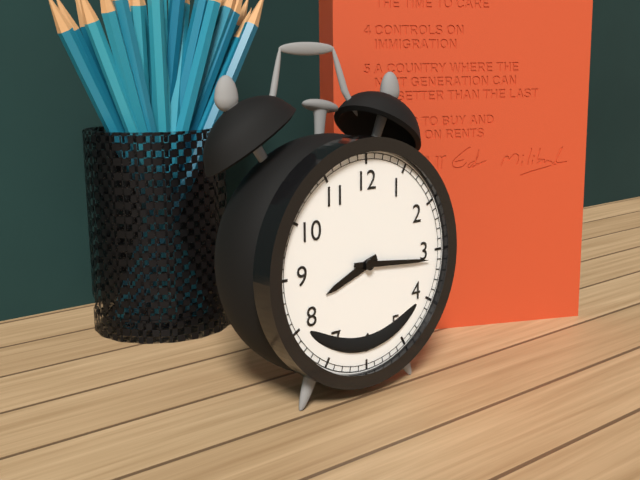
8:16
